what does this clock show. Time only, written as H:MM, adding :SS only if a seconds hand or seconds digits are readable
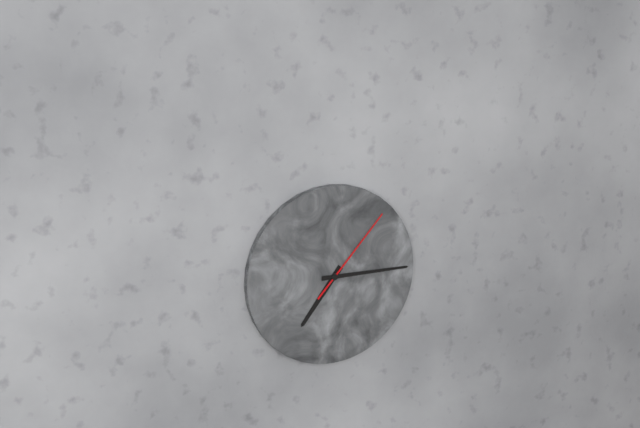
7:15:07
